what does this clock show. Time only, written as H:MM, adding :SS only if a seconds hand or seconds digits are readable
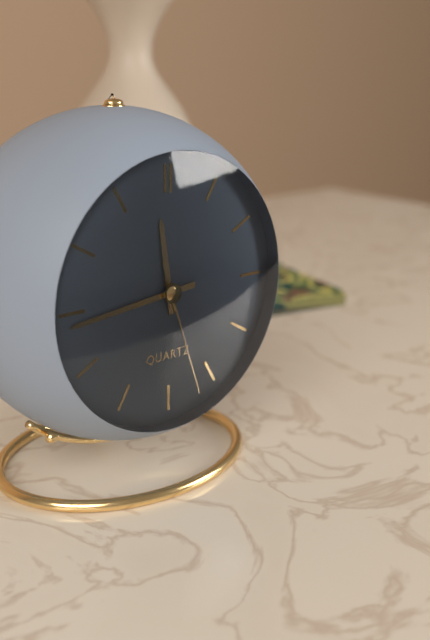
11:44:27
